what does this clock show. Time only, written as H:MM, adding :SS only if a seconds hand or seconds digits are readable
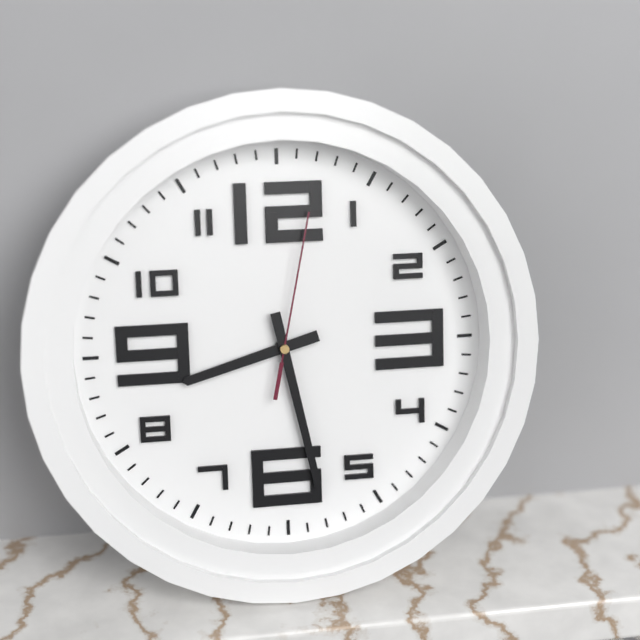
8:28:02
